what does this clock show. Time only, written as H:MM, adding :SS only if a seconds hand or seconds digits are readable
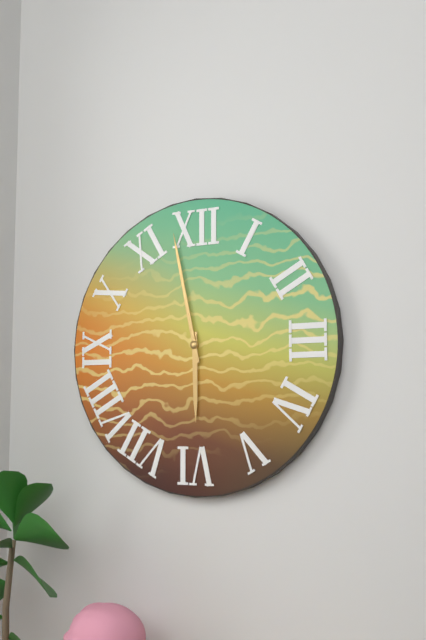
5:58
